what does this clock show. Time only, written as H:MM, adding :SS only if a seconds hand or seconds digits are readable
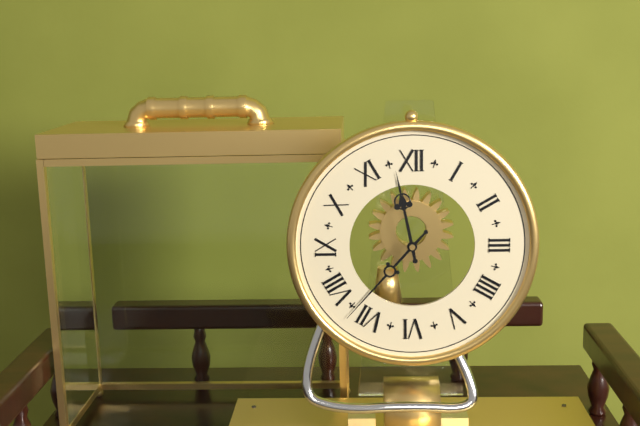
11:37
